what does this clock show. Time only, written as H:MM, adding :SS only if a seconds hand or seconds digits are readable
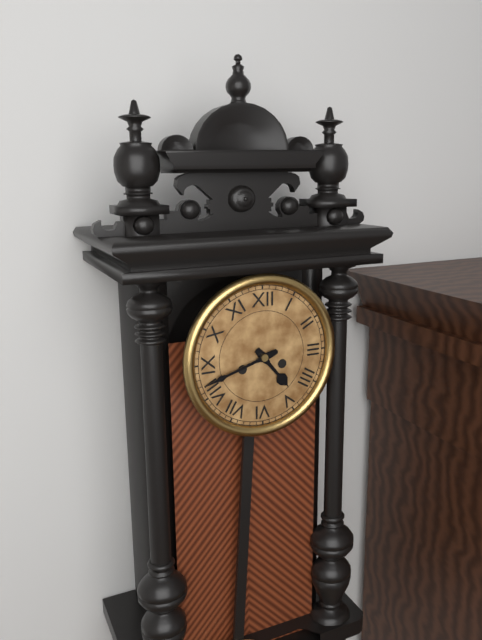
4:42
